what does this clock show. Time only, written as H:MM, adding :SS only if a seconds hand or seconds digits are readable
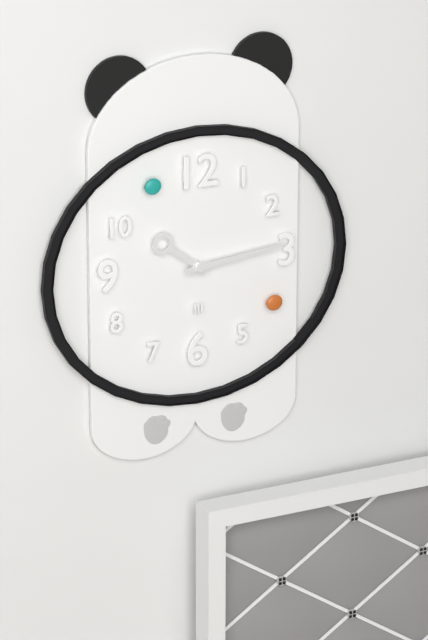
10:14
